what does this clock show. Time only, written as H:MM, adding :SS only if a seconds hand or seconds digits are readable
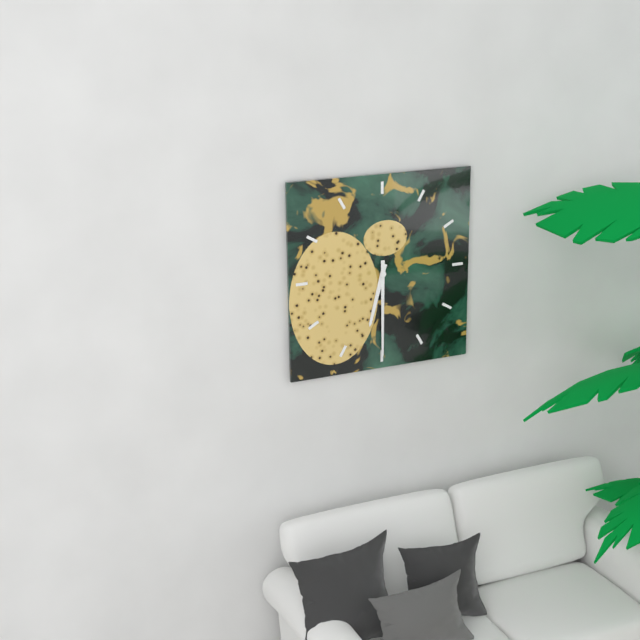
6:30
